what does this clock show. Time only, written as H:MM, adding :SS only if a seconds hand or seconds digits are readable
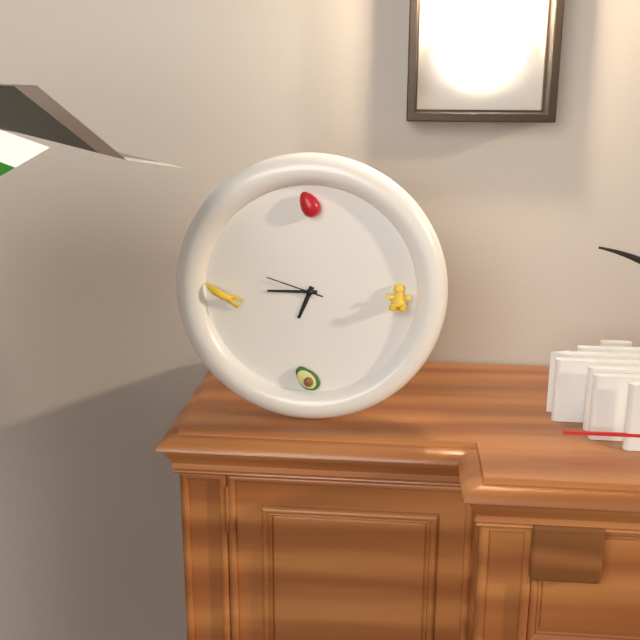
6:45:48
